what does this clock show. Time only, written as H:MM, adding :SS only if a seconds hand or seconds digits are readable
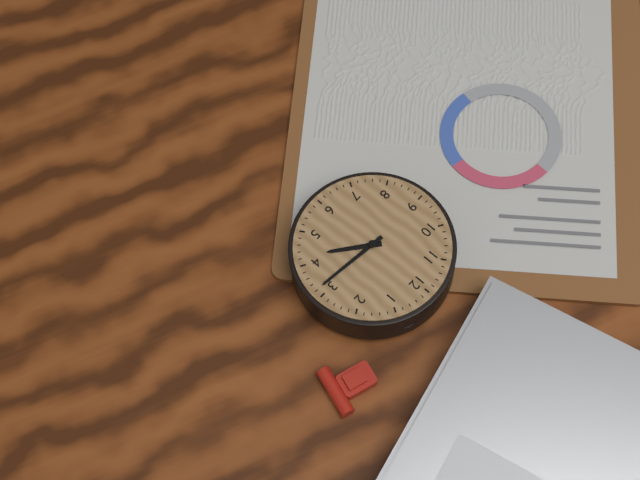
4:16
